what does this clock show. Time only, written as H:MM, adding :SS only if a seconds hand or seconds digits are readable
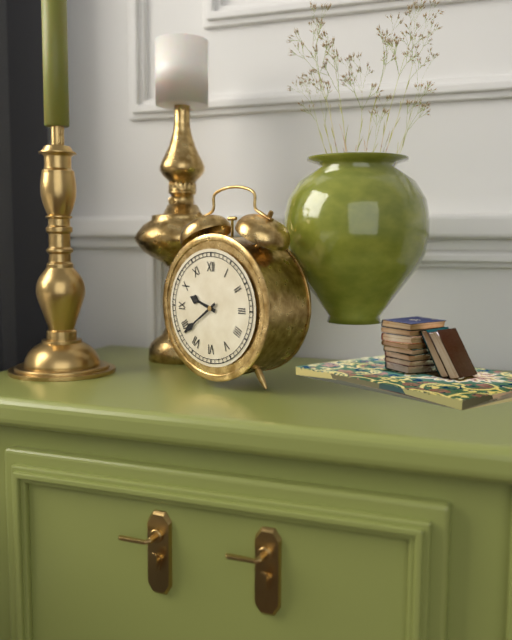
9:39
